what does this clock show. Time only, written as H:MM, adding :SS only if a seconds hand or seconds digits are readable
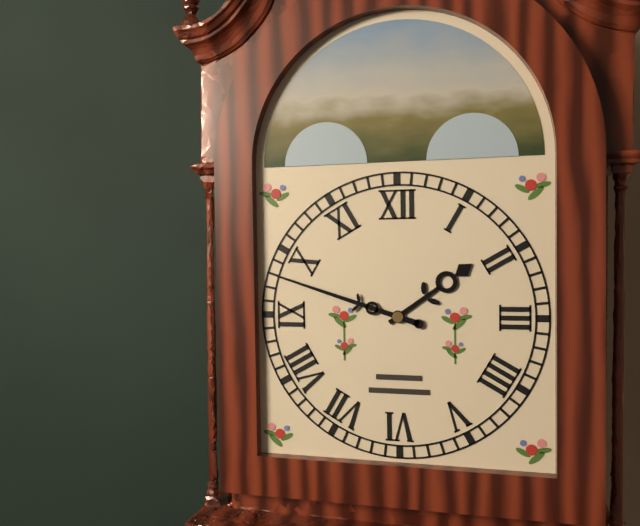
1:48
